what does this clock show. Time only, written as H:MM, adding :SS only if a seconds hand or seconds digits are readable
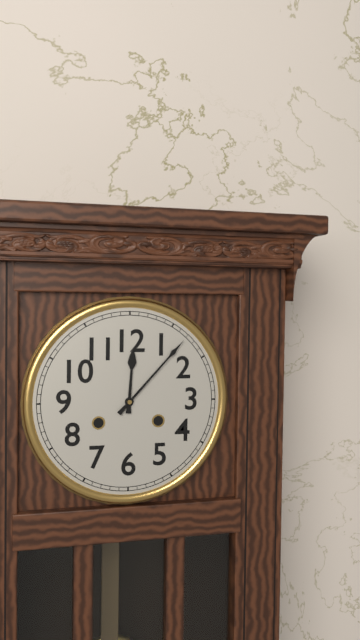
12:07
